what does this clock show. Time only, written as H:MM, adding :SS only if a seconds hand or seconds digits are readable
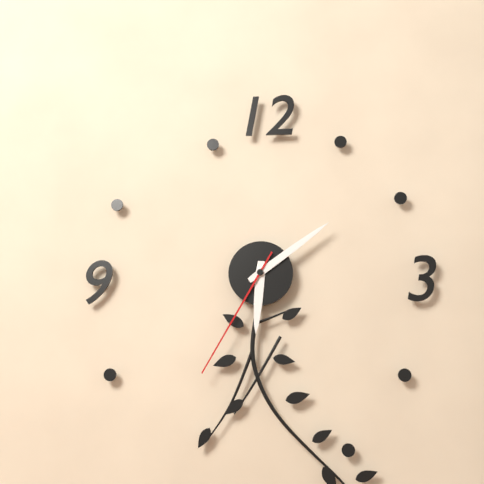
6:09:35
